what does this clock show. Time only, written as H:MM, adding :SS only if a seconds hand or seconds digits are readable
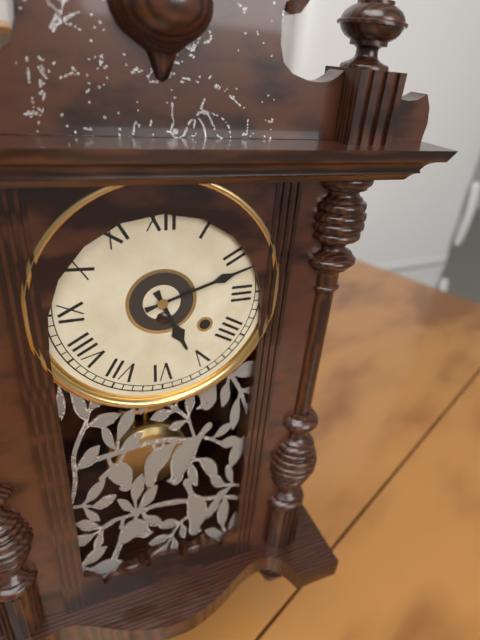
5:12
